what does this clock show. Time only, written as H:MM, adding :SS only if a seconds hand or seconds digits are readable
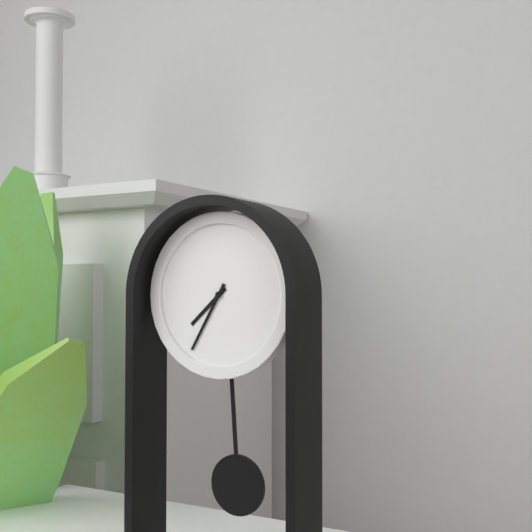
7:35
